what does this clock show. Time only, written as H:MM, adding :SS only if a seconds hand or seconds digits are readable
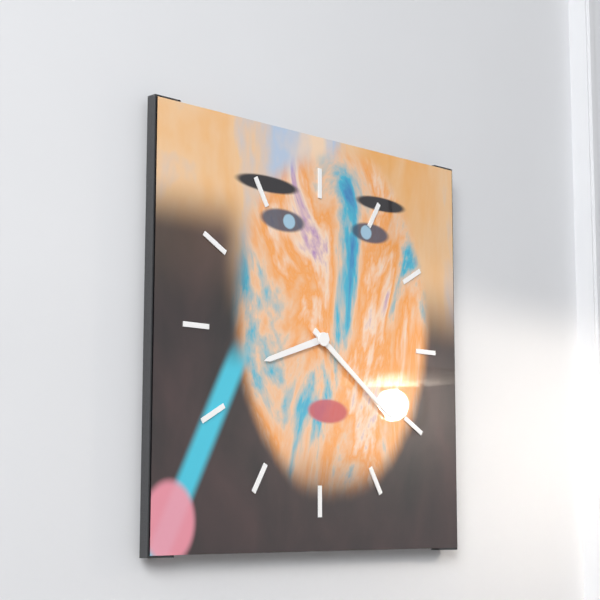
8:21
